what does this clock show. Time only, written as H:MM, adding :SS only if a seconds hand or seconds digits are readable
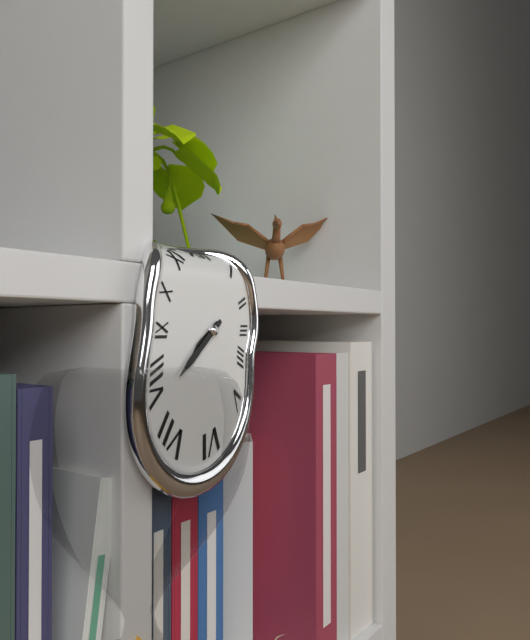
7:38
